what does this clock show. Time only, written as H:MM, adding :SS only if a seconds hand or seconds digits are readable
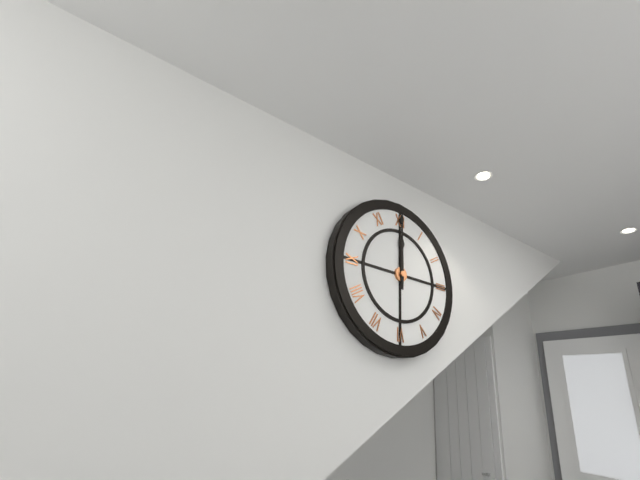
12:00
